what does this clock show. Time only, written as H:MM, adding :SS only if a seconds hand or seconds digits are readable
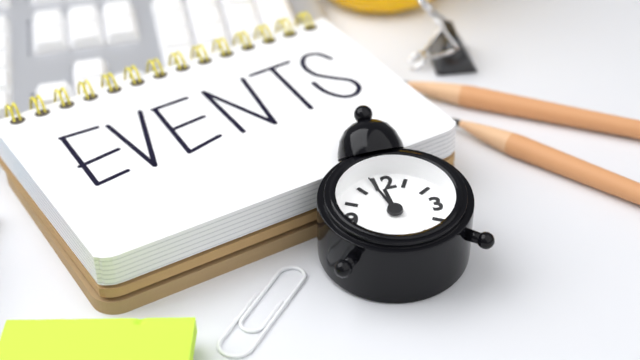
11:58
